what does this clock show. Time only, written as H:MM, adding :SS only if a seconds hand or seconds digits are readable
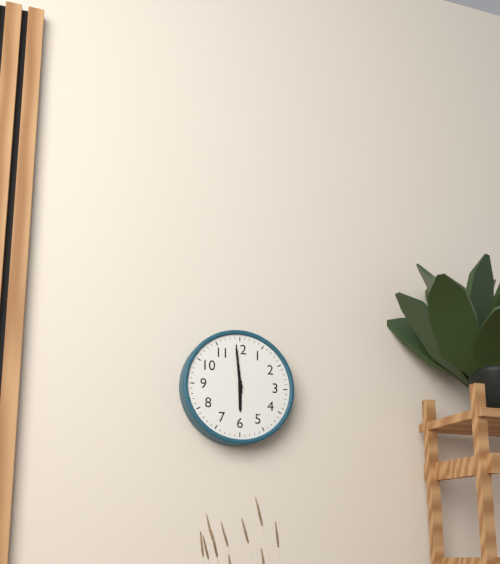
5:59
